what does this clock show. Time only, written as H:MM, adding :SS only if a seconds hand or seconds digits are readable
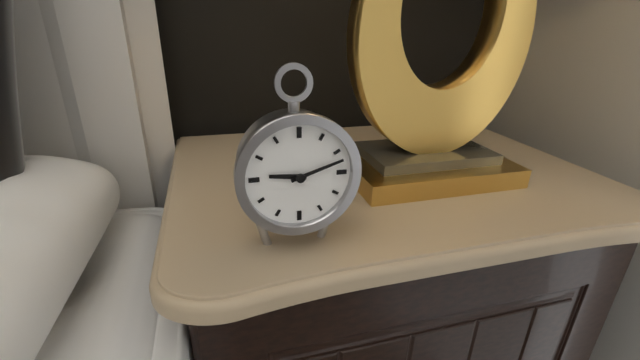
9:12
